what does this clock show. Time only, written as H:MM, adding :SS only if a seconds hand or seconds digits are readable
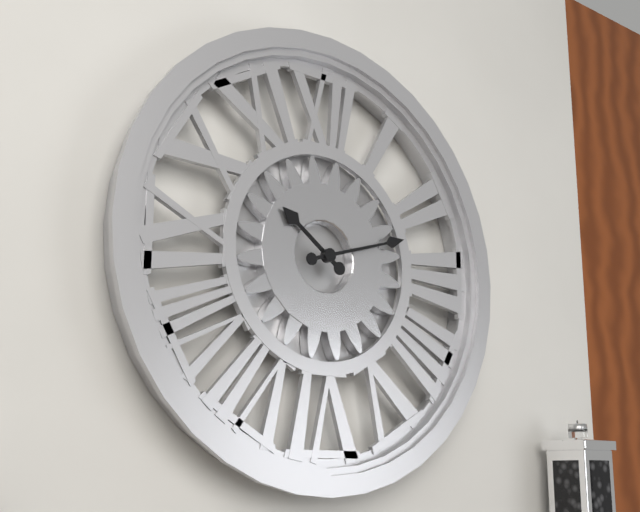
10:12
